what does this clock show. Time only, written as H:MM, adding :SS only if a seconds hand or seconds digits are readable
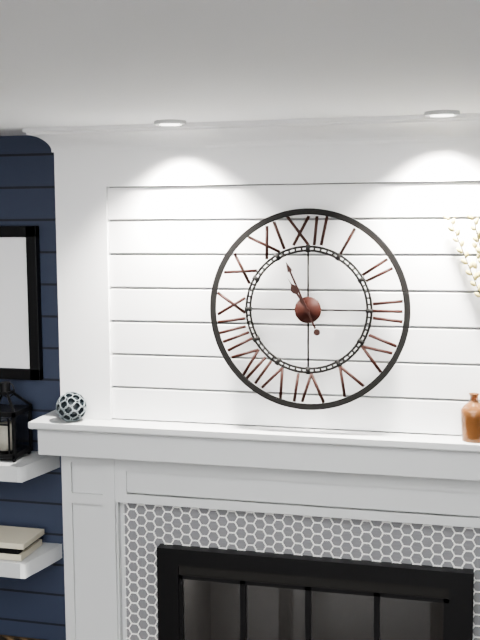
10:56
